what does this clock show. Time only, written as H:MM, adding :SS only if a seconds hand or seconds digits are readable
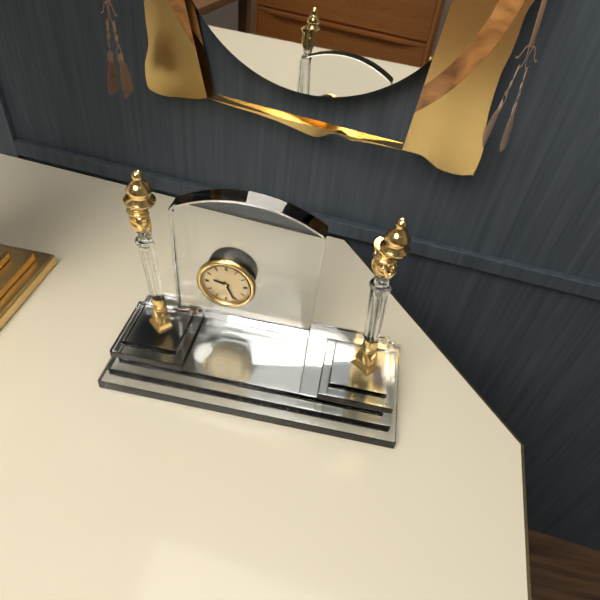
9:26
